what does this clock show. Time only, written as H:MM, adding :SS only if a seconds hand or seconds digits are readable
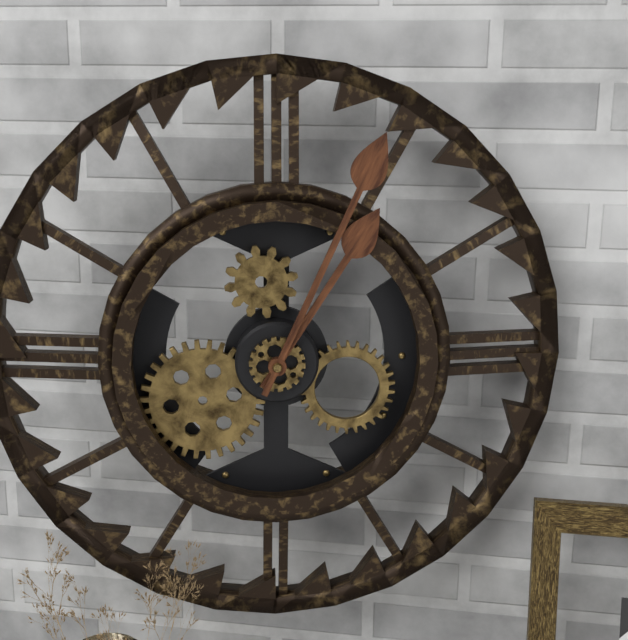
1:04
